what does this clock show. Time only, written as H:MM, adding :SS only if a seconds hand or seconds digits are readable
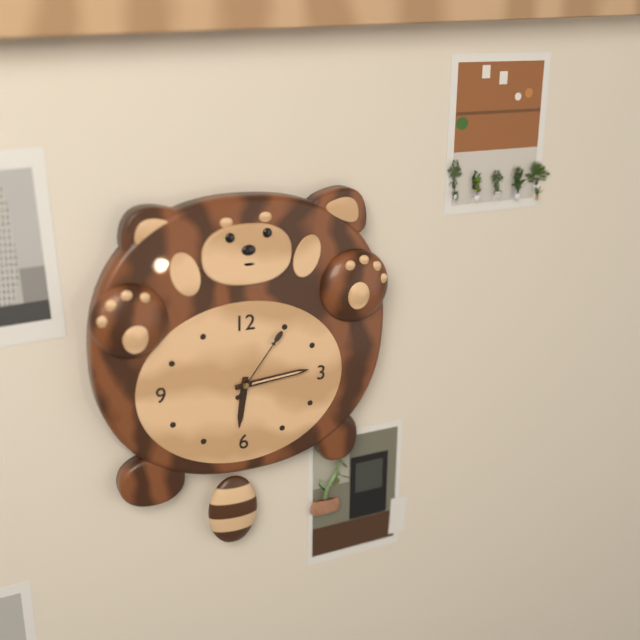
6:14:06
